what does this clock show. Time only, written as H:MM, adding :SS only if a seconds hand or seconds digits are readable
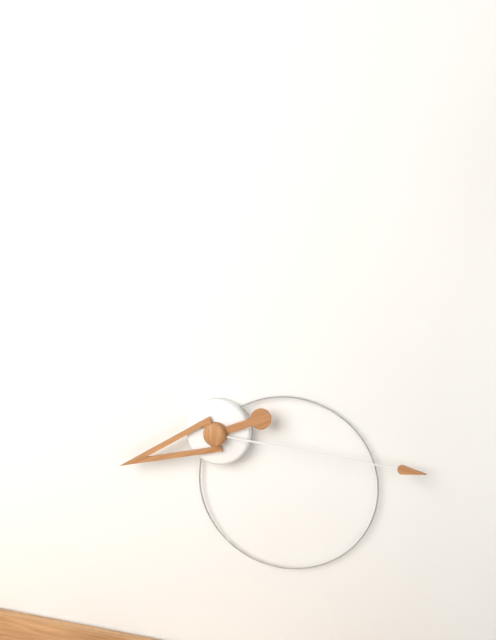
8:16
